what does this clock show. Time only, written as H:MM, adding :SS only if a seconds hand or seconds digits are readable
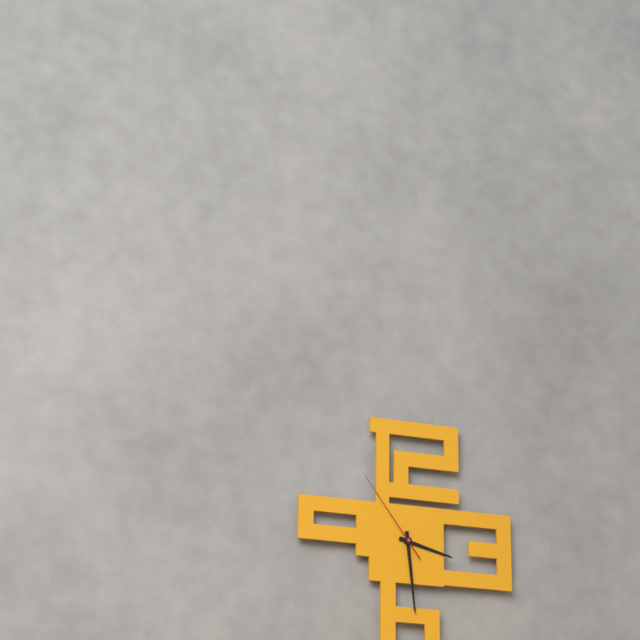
3:29:54
